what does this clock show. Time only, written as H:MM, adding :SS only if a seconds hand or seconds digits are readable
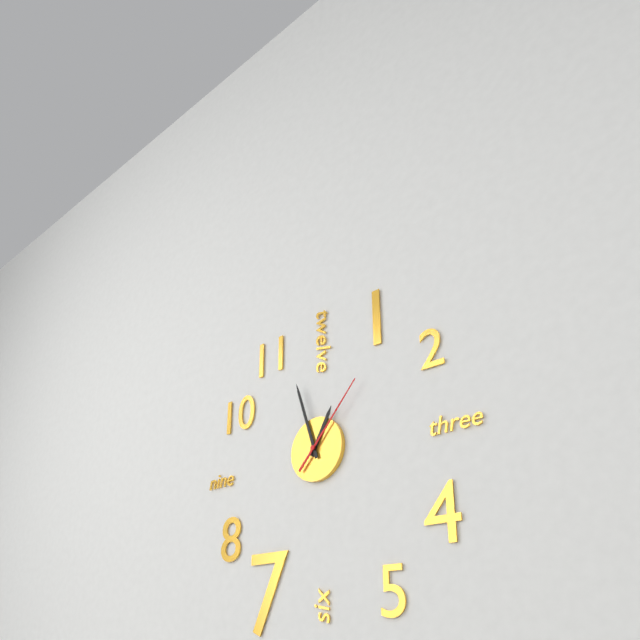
12:57:07
